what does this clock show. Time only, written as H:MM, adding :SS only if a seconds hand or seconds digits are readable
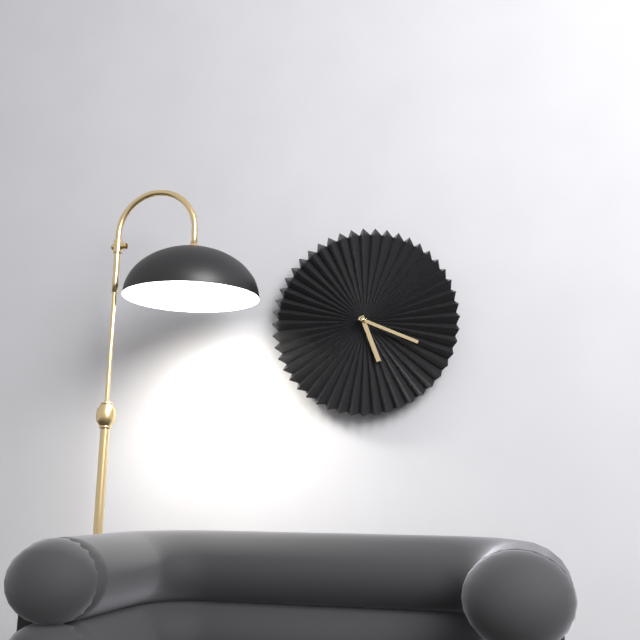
5:19
